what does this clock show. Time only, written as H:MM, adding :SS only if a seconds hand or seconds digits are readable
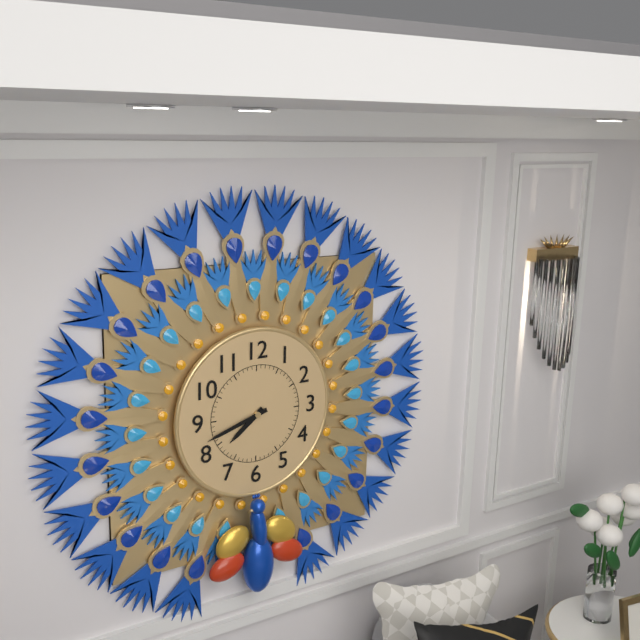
7:42
